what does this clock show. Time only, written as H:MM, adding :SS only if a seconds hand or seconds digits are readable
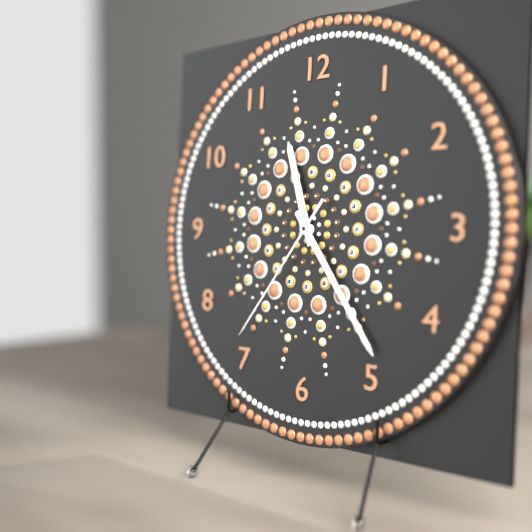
11:24:36
